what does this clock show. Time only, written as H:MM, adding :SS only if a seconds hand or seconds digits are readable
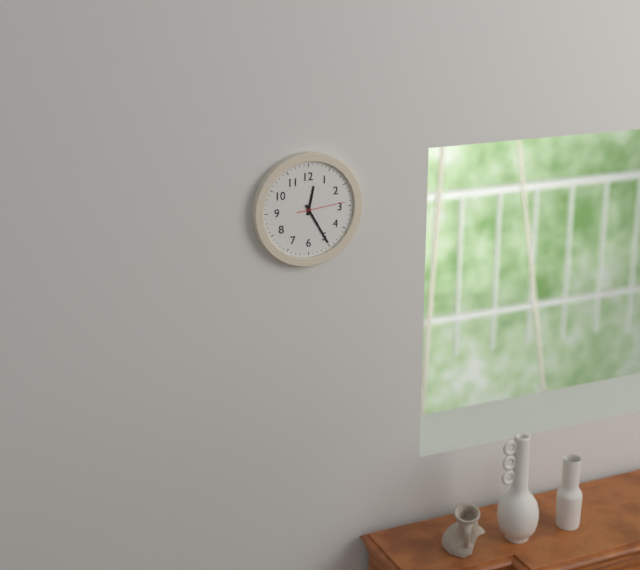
12:25
